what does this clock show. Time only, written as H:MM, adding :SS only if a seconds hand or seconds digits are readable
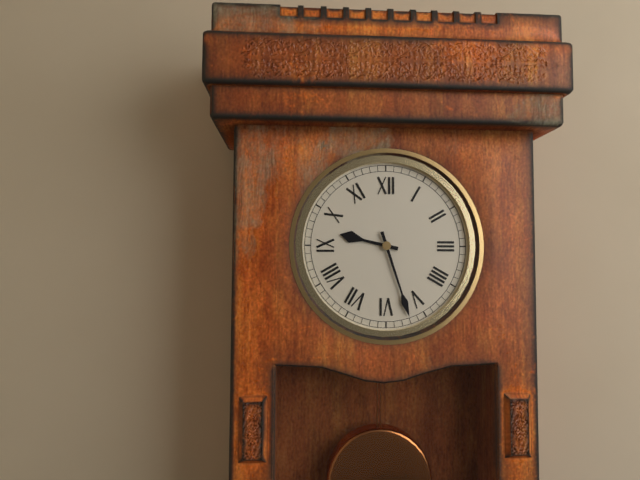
9:27
